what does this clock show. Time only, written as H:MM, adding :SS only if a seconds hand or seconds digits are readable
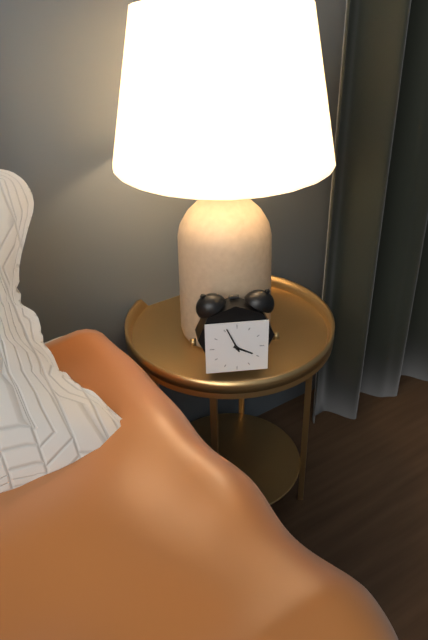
3:56
